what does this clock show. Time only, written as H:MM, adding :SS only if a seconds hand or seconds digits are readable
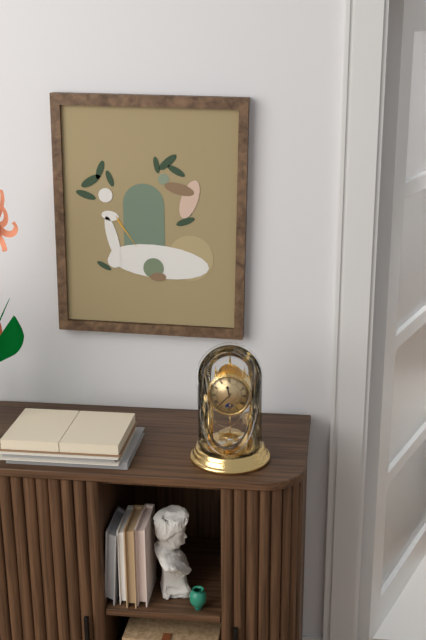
11:37
